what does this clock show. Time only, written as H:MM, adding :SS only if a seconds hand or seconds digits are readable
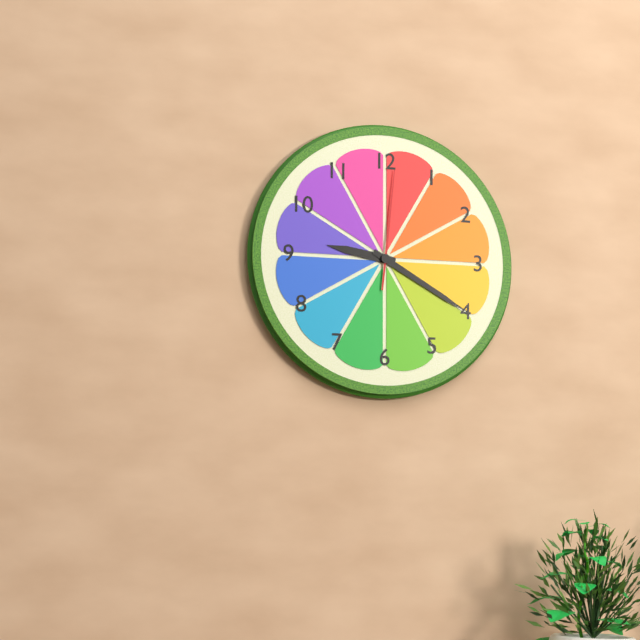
9:20:01
